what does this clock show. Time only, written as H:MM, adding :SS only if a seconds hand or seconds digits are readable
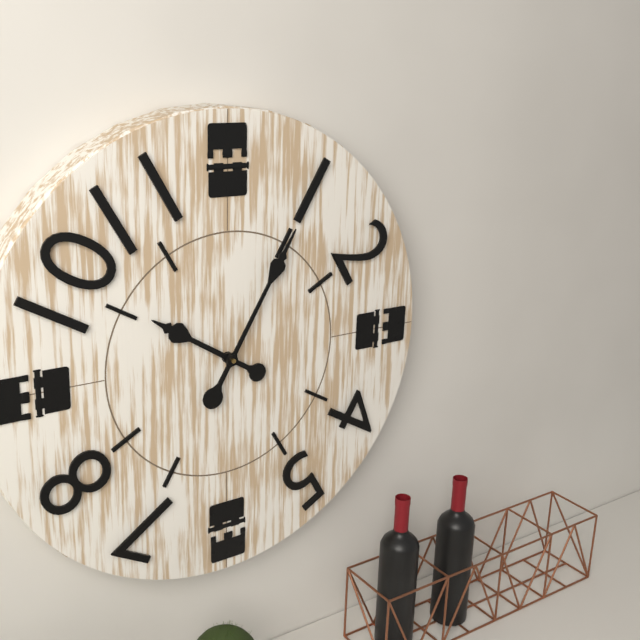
10:05
